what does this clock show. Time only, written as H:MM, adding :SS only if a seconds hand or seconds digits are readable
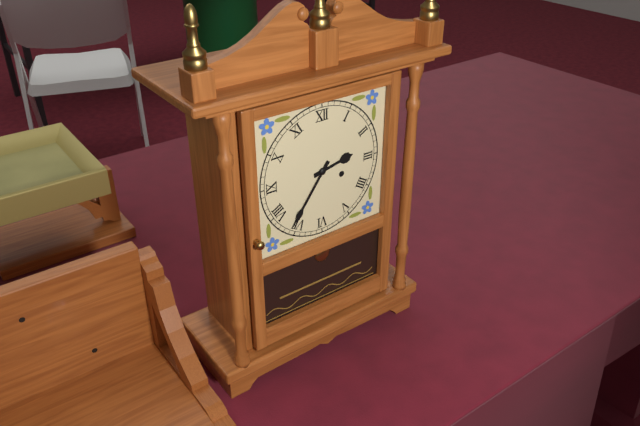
2:36
